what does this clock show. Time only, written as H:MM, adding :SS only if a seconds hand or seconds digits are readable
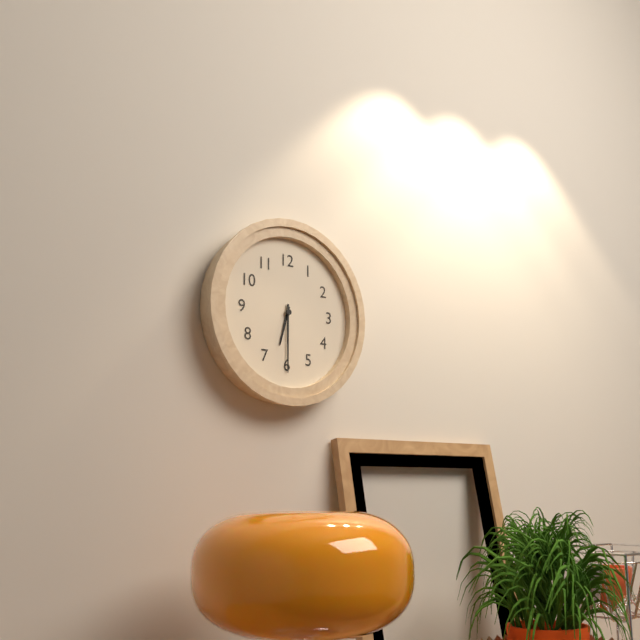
6:30
